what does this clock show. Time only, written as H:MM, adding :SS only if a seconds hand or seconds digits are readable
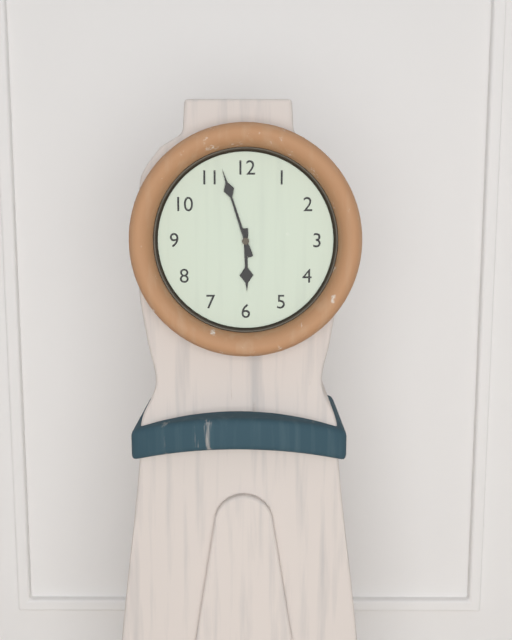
5:57
